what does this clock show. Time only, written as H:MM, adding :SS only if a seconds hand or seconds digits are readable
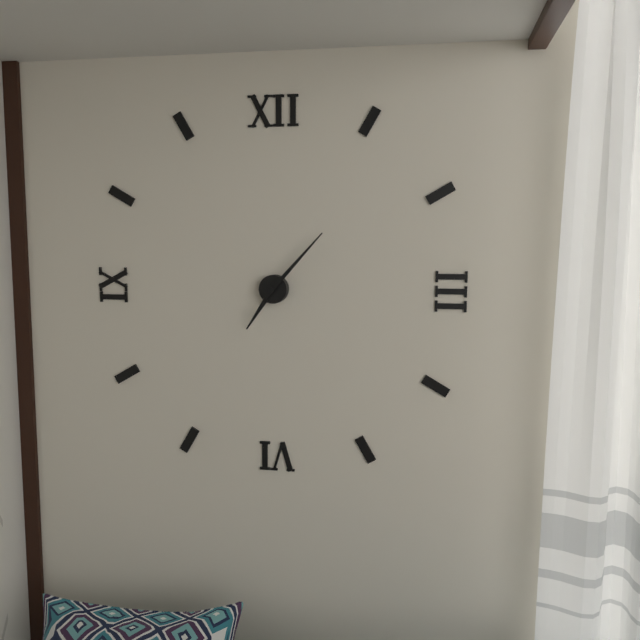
7:07
